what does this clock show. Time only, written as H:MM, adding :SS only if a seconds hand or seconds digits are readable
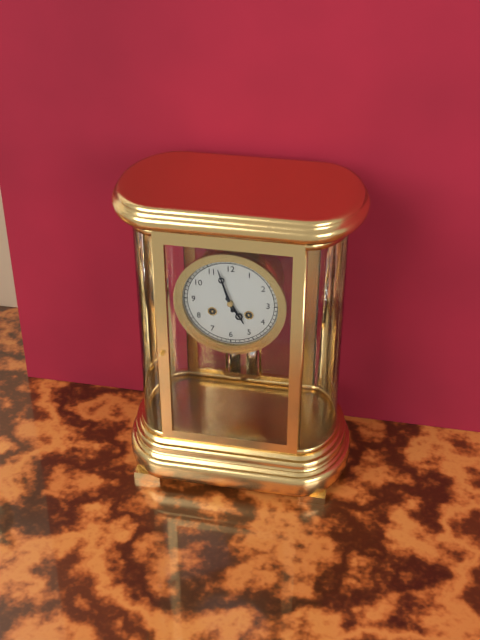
4:57
